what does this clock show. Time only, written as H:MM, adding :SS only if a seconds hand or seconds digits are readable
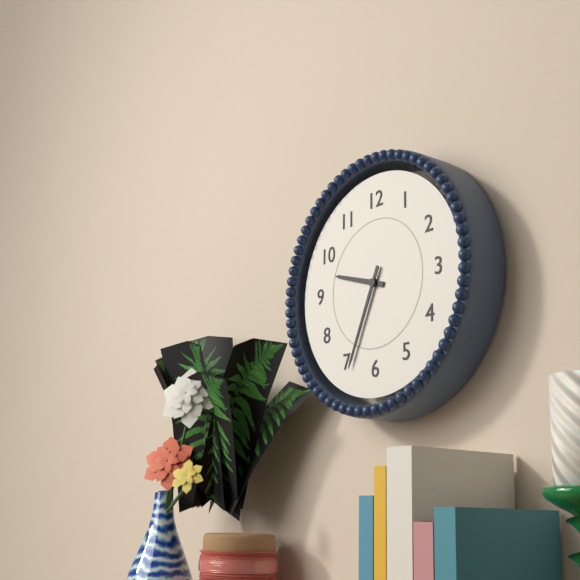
9:34
